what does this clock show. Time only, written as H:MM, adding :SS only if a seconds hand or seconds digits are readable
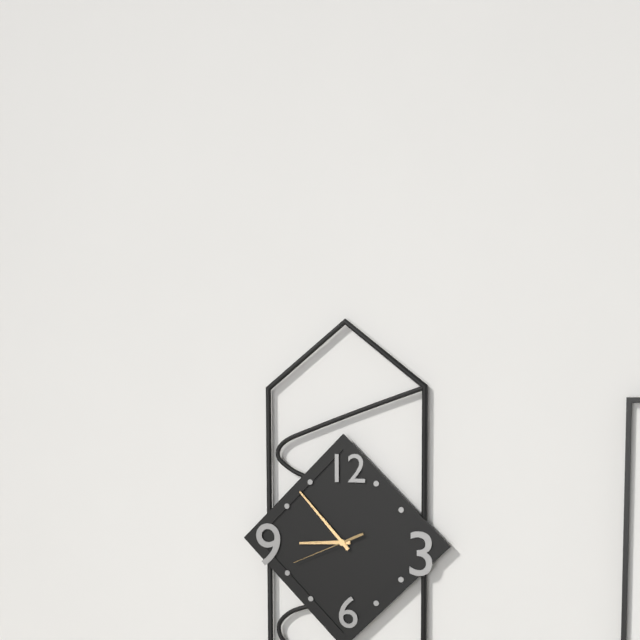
8:53:41
